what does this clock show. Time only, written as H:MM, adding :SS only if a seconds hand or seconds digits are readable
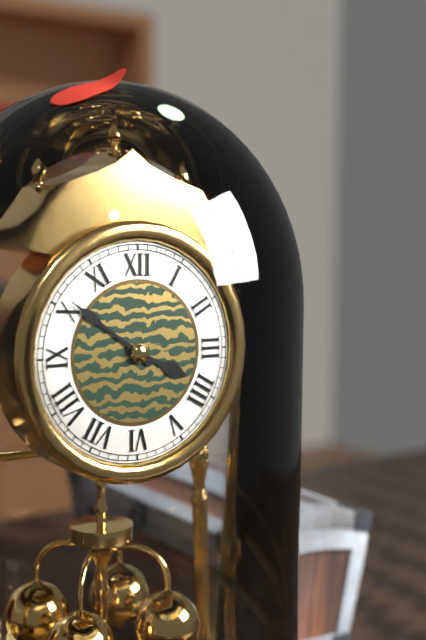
3:51
